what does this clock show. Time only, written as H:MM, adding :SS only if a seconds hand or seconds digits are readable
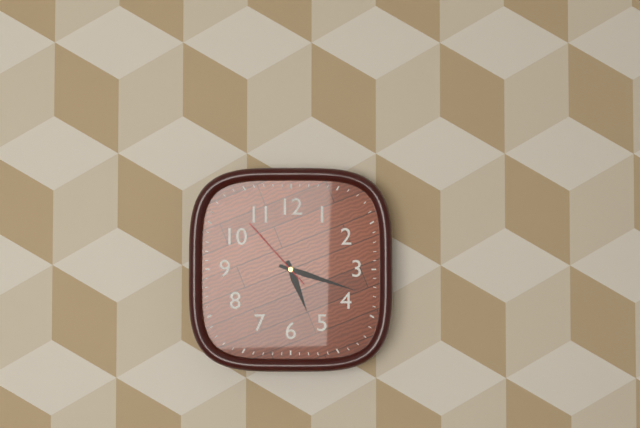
5:18:53
